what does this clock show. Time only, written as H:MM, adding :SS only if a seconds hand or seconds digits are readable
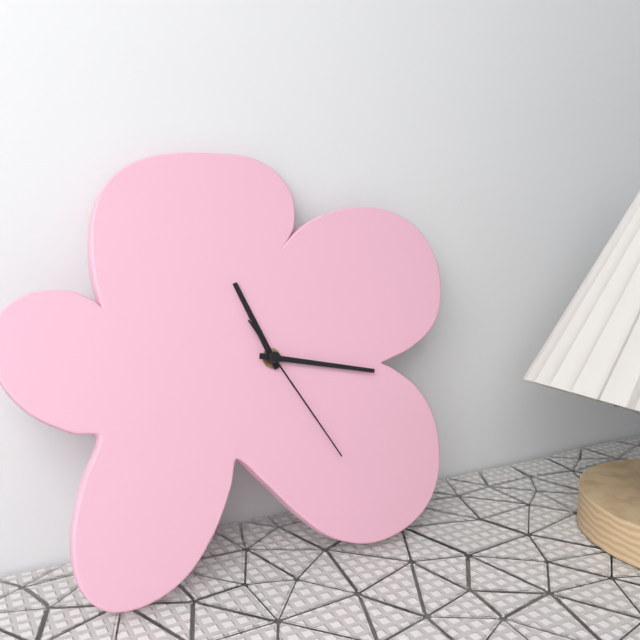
11:17:25
